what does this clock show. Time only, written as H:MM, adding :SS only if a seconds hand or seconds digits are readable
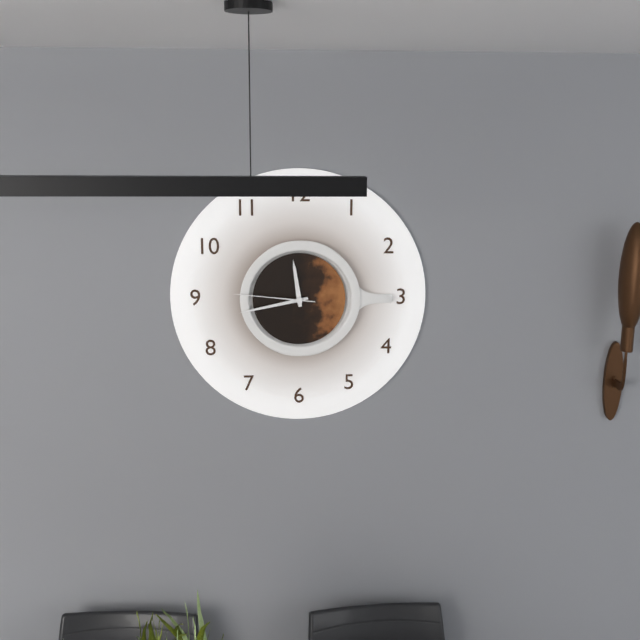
11:43:46
